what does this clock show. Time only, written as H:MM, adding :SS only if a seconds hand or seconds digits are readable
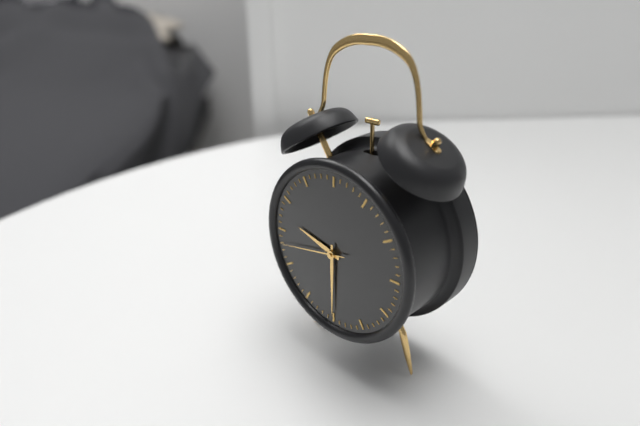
9:30:43
